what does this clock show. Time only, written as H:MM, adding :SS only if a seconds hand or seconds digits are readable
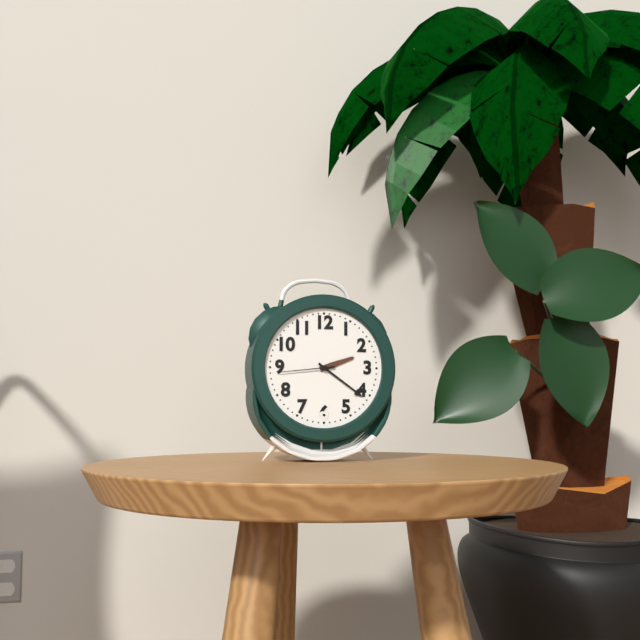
2:21:44
